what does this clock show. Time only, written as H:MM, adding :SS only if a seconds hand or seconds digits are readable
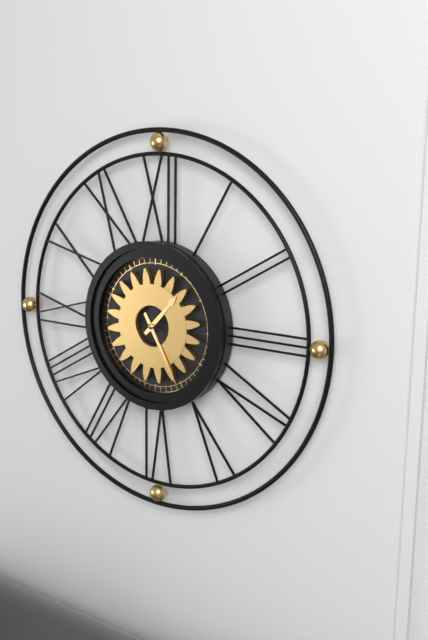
1:25
